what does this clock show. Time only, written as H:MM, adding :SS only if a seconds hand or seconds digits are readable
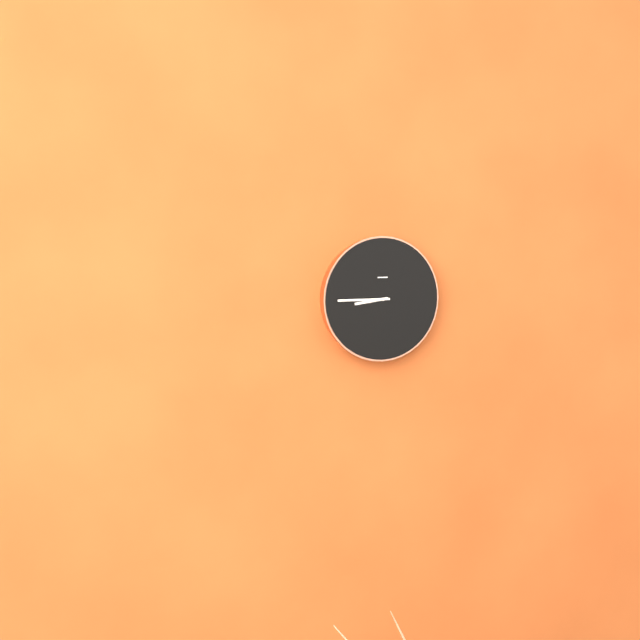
8:45
